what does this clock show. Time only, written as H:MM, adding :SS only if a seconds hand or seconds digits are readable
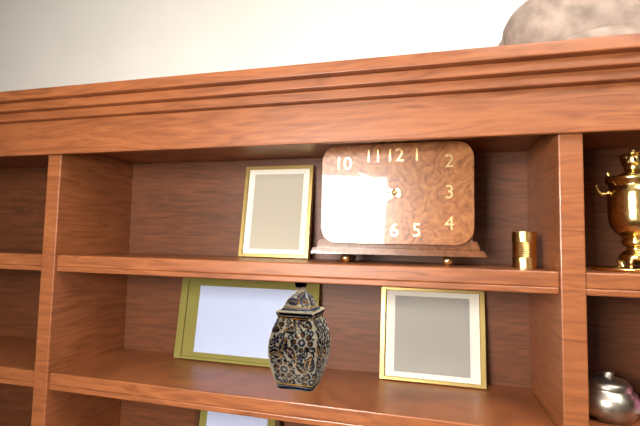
7:50
